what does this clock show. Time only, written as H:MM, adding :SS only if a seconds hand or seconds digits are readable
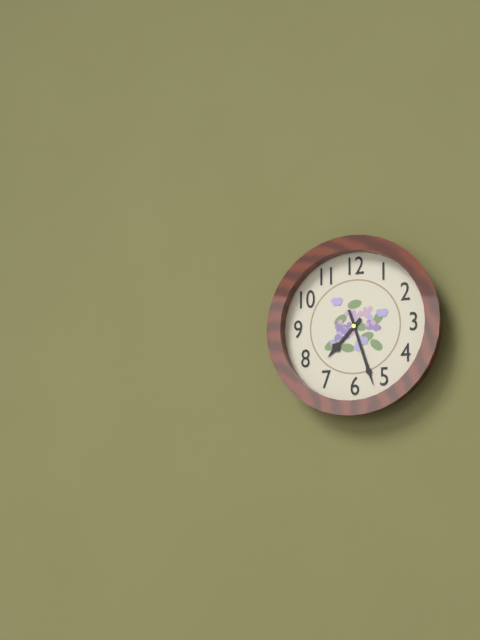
7:27
